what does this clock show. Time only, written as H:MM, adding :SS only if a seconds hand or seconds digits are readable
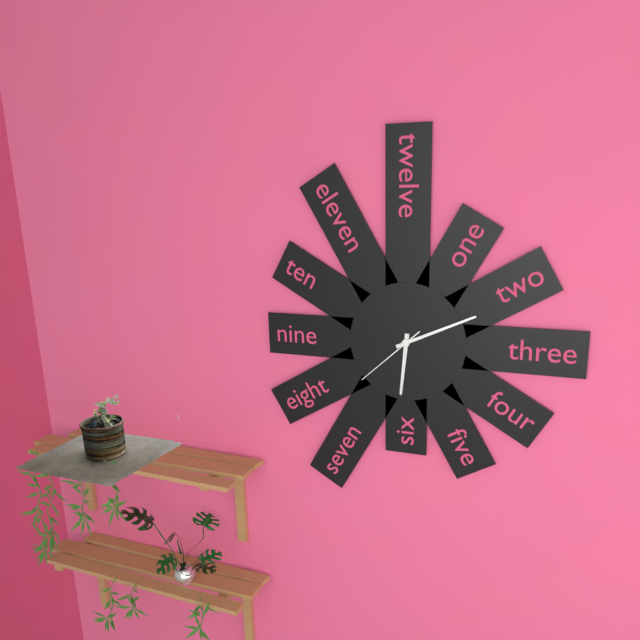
6:11:38
